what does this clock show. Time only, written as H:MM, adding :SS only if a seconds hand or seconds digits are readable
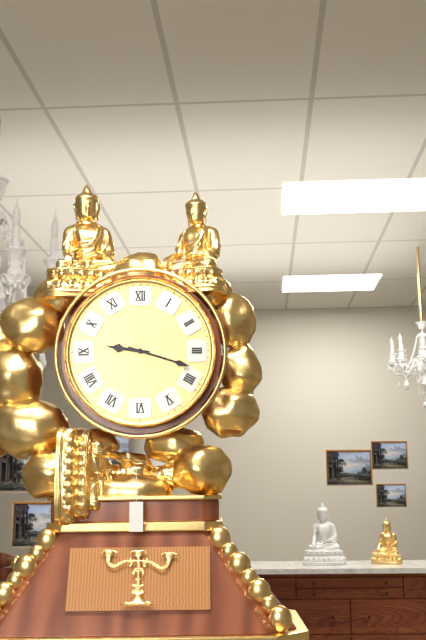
9:18
